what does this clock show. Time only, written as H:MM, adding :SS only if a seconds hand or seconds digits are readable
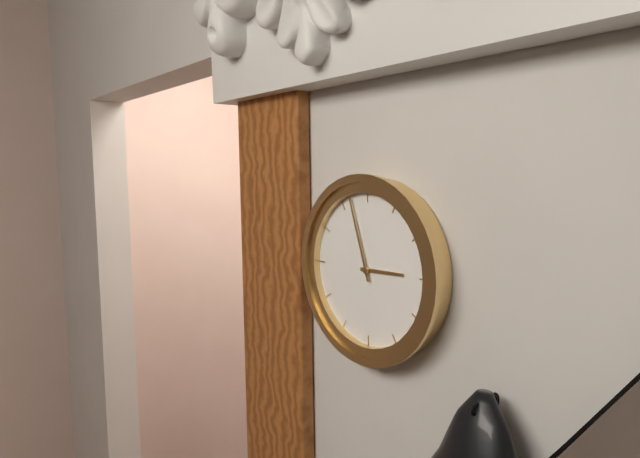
2:57
